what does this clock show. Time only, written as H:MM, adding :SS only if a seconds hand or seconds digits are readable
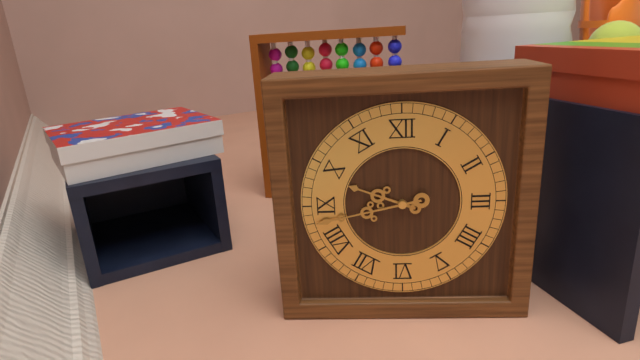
9:43
